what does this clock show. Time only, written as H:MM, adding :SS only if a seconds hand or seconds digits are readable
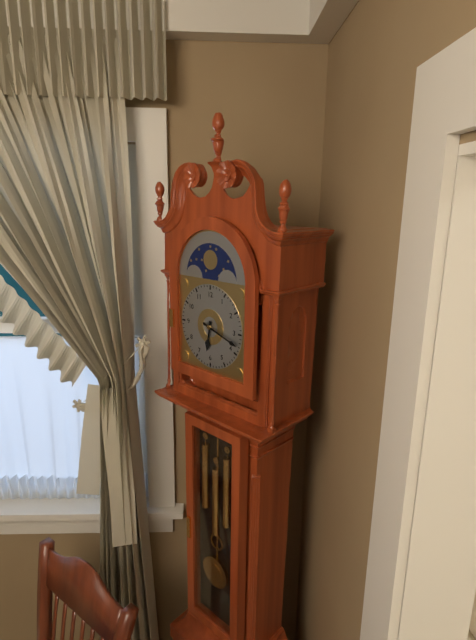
6:18
